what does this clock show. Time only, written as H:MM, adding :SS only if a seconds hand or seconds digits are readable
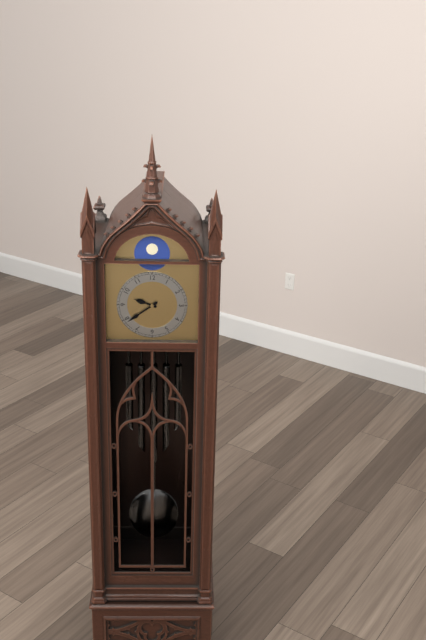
9:39
